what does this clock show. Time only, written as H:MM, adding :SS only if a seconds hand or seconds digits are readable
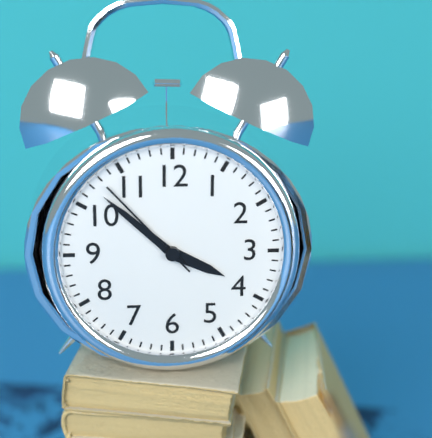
3:52:53
